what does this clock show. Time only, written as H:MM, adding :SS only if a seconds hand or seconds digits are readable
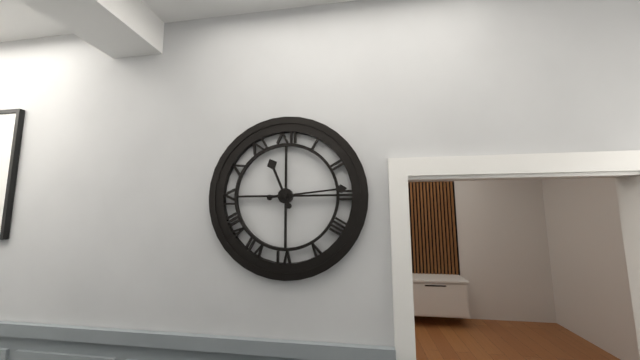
11:14
